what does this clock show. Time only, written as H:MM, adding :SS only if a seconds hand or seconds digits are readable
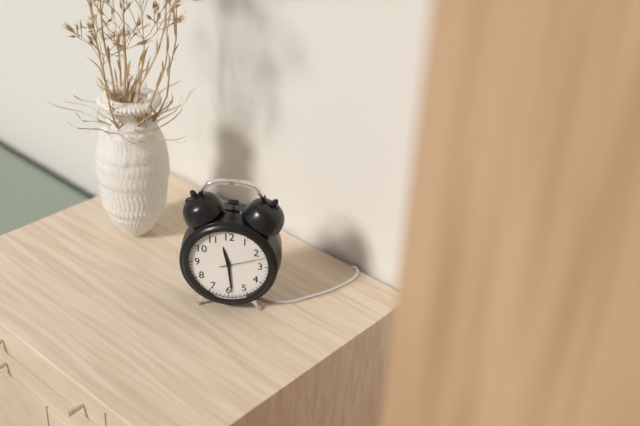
11:29
